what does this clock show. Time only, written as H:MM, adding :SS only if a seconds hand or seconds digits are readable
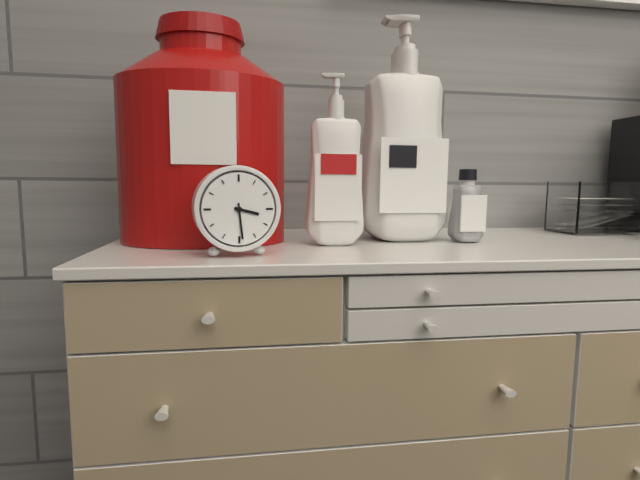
3:29
